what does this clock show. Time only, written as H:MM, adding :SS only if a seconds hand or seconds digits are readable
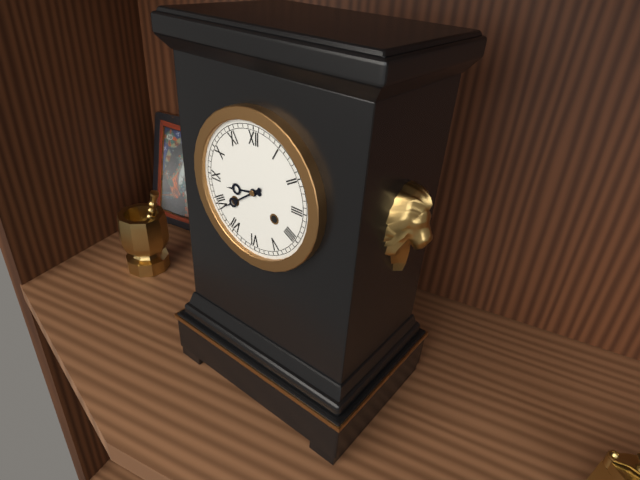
8:39
